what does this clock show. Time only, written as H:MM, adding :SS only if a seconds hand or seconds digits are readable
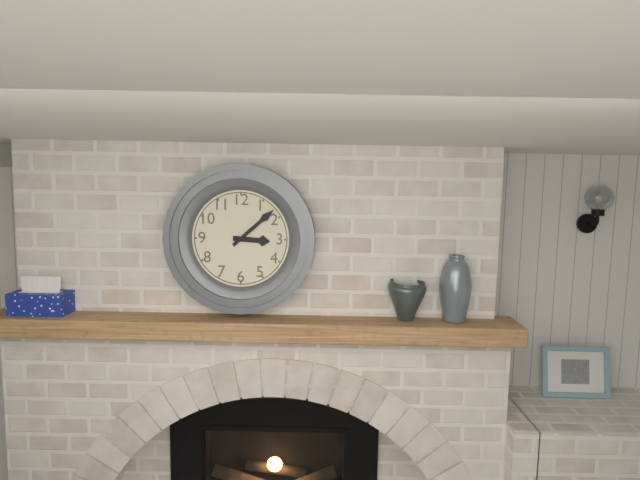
3:08
